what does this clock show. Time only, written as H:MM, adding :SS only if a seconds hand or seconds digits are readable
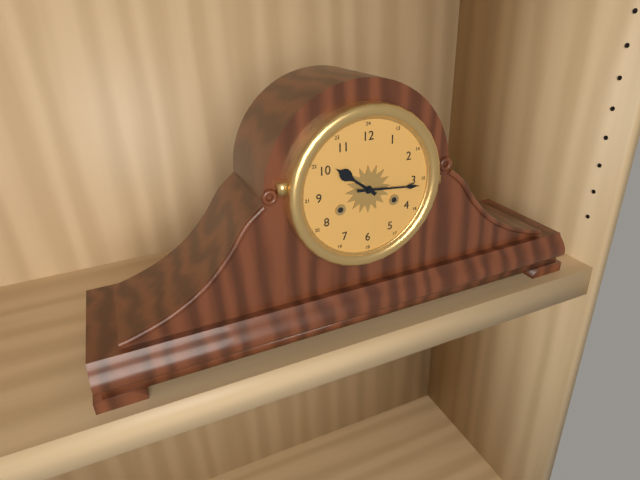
10:16
